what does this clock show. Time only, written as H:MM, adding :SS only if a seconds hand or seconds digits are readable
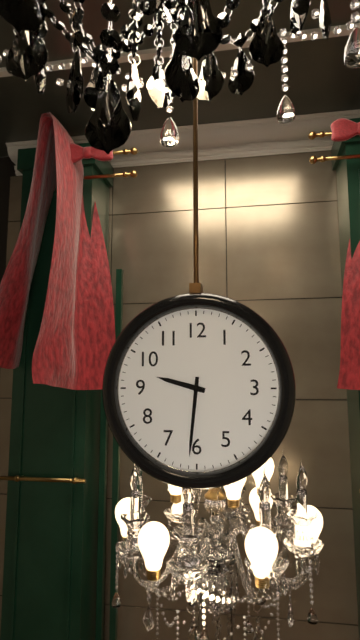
9:31
